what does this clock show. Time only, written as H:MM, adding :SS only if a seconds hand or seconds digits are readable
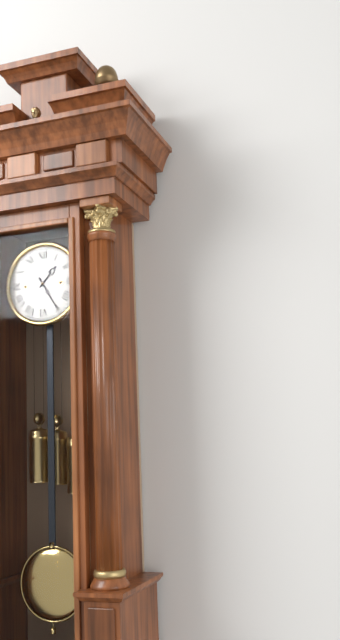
1:25
